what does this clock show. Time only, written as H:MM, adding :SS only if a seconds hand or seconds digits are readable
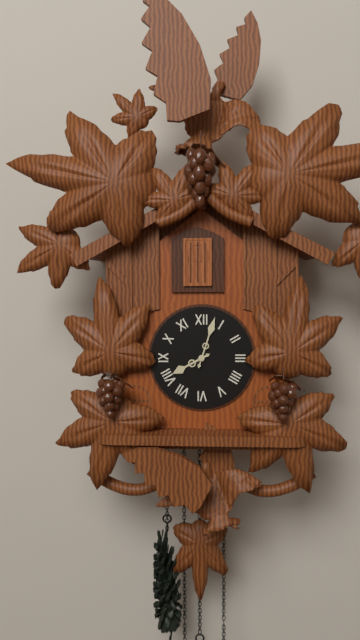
8:03
